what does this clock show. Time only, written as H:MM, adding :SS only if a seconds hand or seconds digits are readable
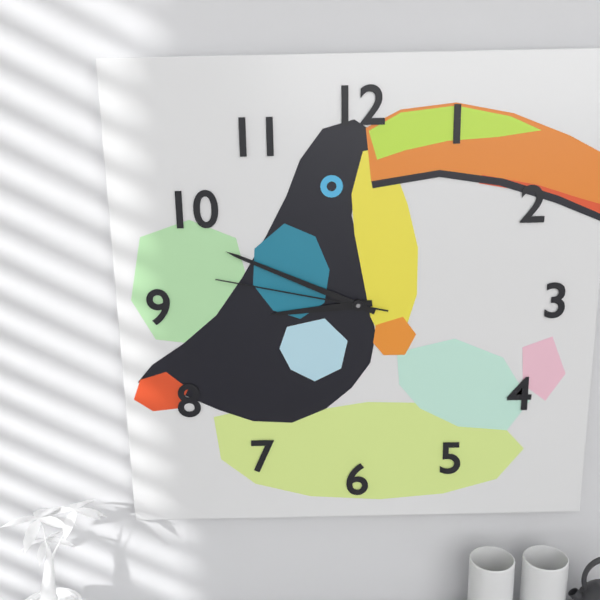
8:49:47
